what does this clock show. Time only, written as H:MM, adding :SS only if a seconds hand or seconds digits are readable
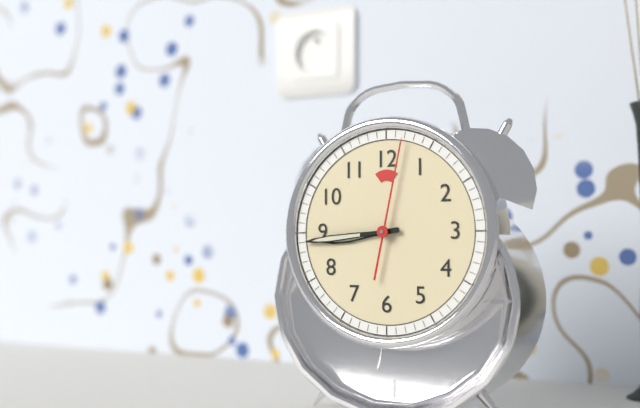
8:44:02
